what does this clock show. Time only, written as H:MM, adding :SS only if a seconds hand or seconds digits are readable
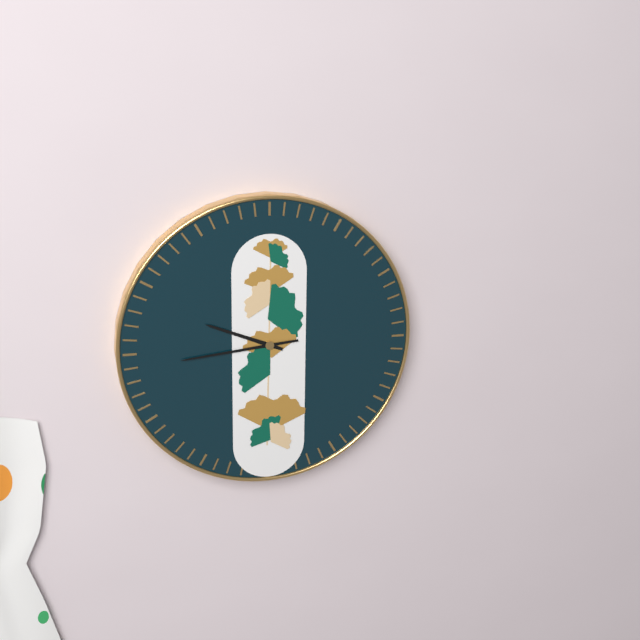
9:44
